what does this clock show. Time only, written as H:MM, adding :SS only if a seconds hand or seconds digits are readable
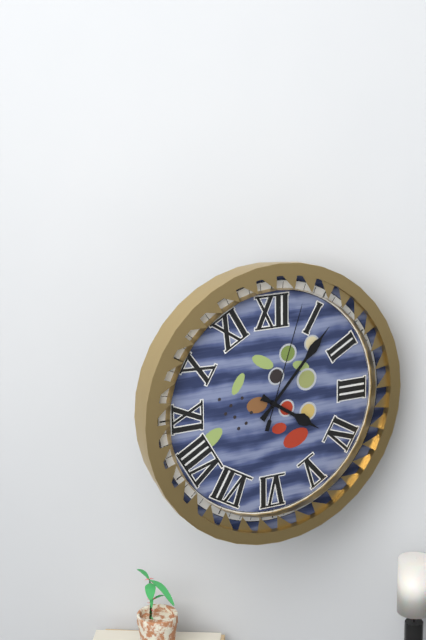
4:07:03
